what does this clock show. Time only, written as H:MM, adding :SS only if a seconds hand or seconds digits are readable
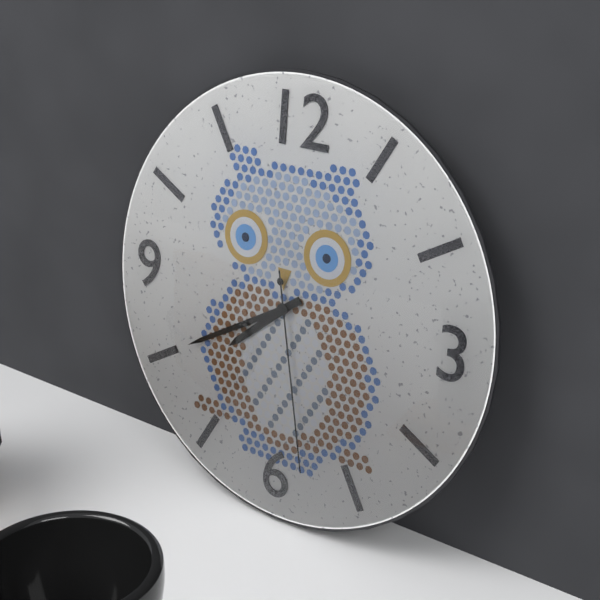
7:40:28
